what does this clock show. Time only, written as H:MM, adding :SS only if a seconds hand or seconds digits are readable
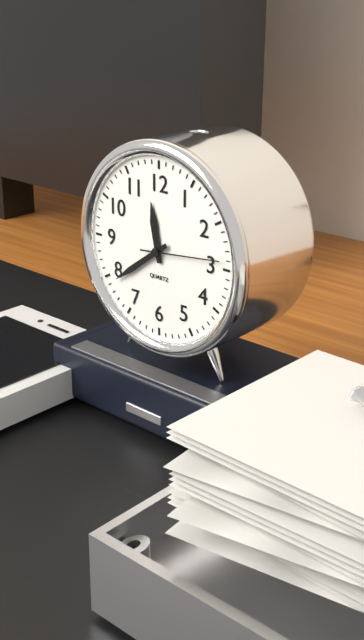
11:39:14
